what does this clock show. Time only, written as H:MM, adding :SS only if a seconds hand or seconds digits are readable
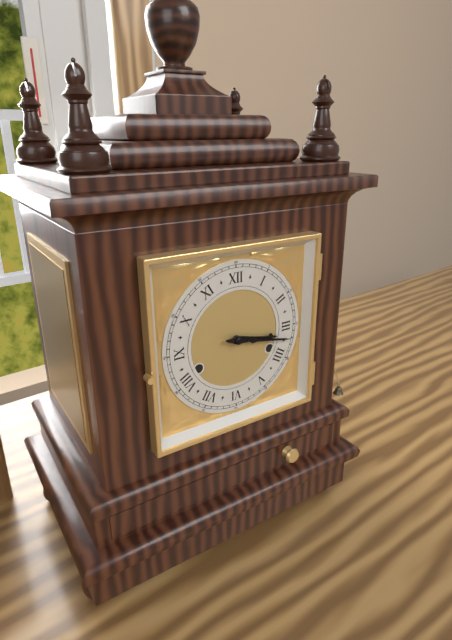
3:17
